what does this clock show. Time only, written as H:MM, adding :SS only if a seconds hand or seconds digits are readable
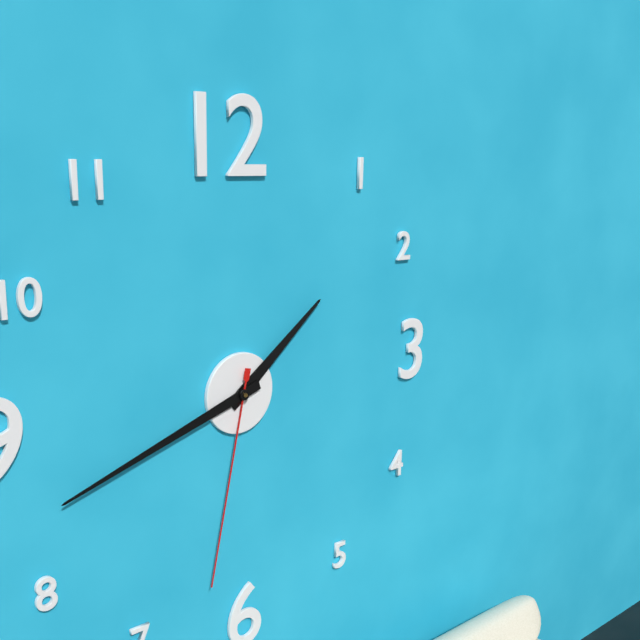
1:42:32
